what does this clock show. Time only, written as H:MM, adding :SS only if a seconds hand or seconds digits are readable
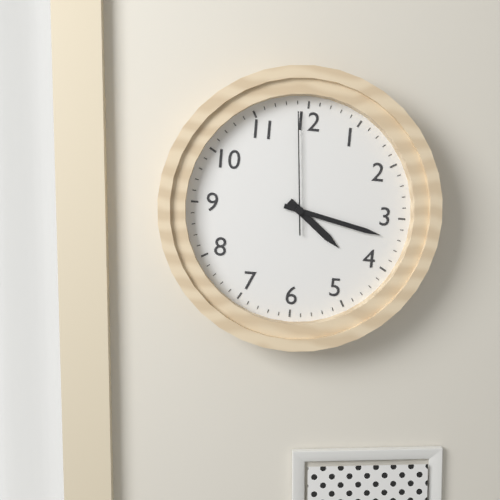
4:17:59
